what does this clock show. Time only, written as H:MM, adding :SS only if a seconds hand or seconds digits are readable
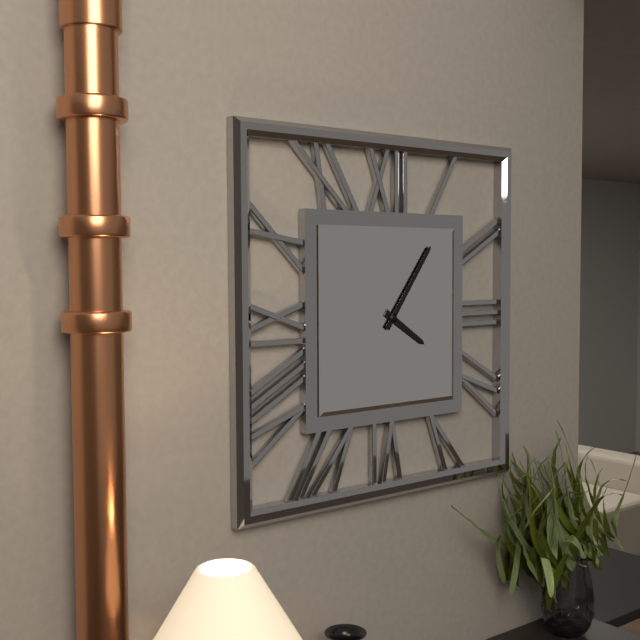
4:06
